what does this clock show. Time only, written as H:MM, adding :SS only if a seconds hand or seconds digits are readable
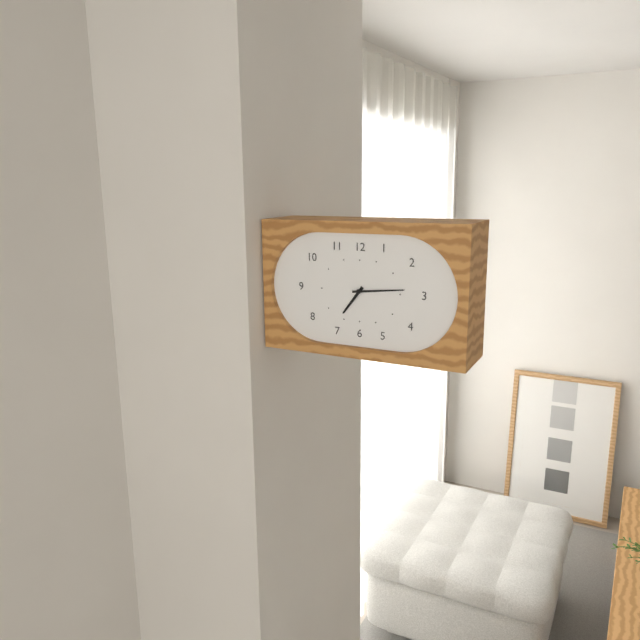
7:14
